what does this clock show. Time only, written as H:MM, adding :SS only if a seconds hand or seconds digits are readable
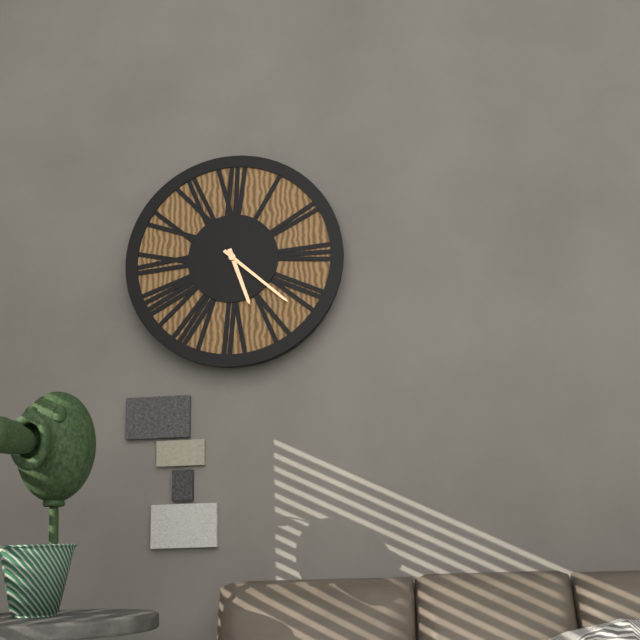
5:22
